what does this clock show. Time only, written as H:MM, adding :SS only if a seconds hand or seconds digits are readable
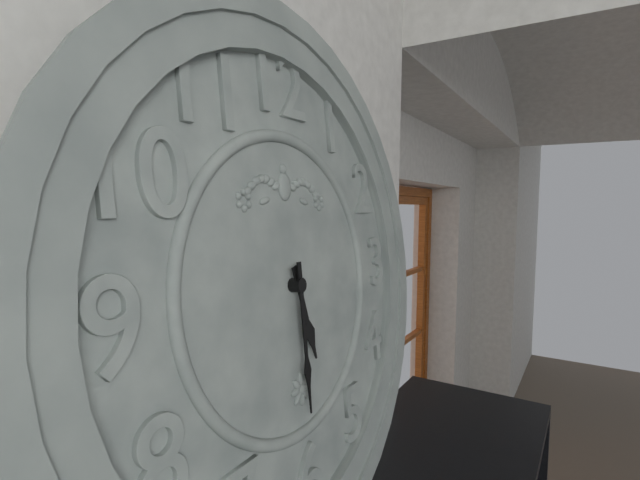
5:30
